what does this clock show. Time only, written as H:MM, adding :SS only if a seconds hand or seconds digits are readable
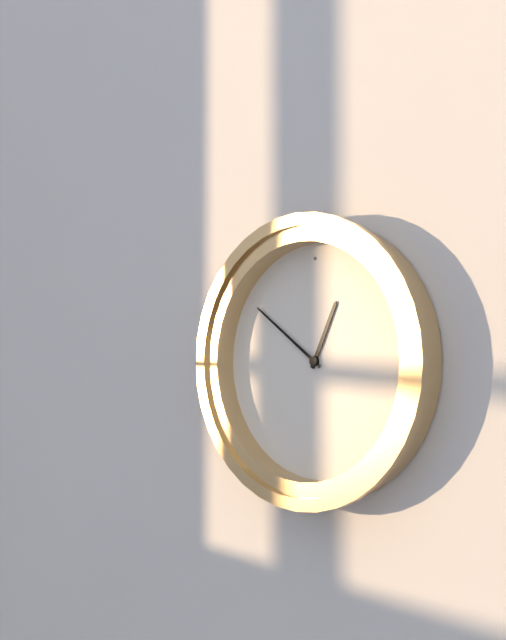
12:51
